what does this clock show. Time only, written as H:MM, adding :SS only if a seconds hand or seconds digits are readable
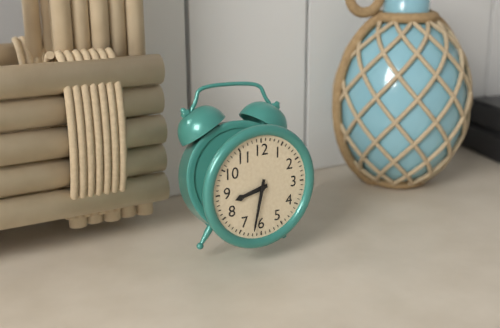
8:32
